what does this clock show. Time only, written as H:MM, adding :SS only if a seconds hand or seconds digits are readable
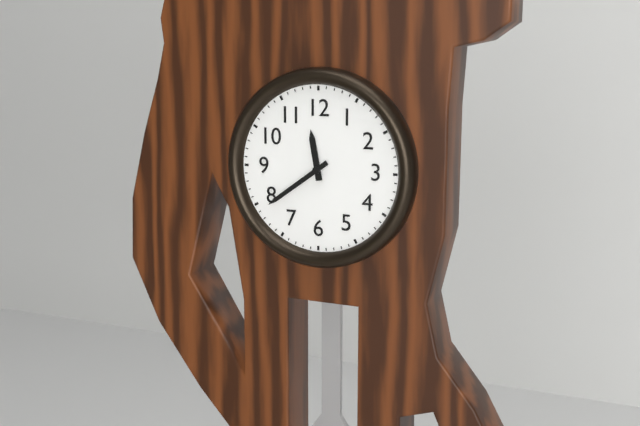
11:39
